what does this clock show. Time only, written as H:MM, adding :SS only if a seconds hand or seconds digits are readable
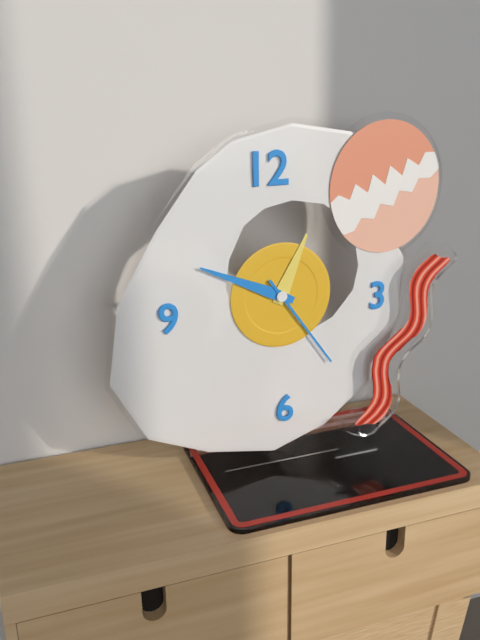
12:49:24
